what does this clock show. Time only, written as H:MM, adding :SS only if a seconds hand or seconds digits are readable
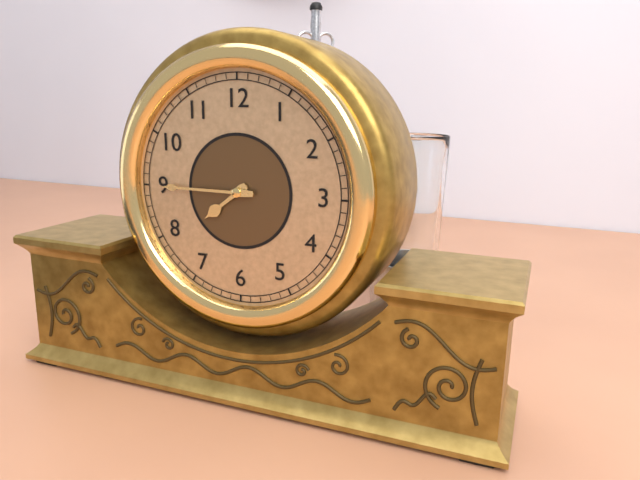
7:45
